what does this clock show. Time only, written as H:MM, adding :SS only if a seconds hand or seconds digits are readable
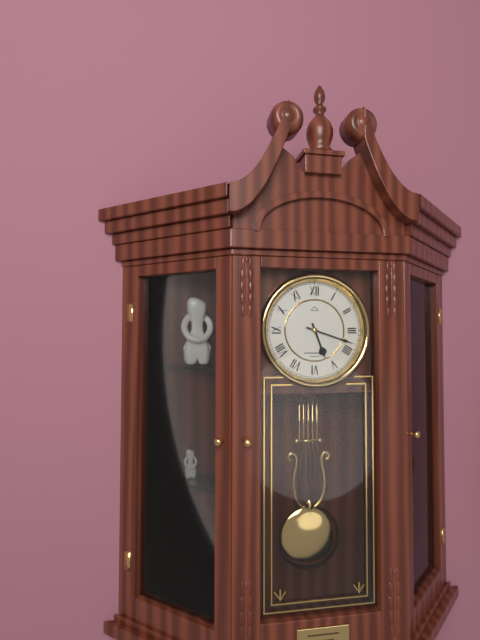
5:18
